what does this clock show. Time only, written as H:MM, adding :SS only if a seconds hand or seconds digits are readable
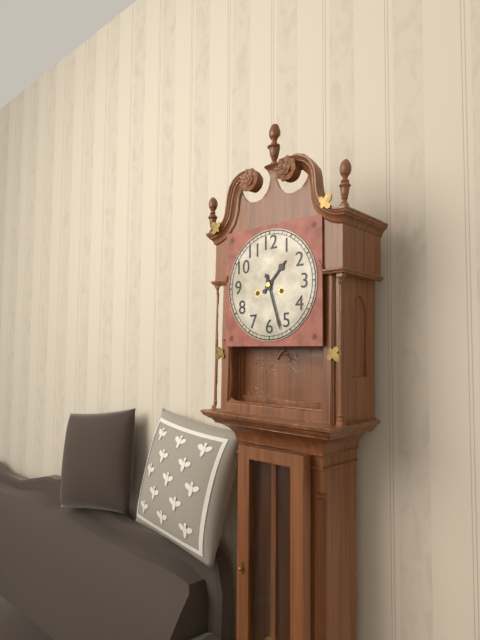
1:27
